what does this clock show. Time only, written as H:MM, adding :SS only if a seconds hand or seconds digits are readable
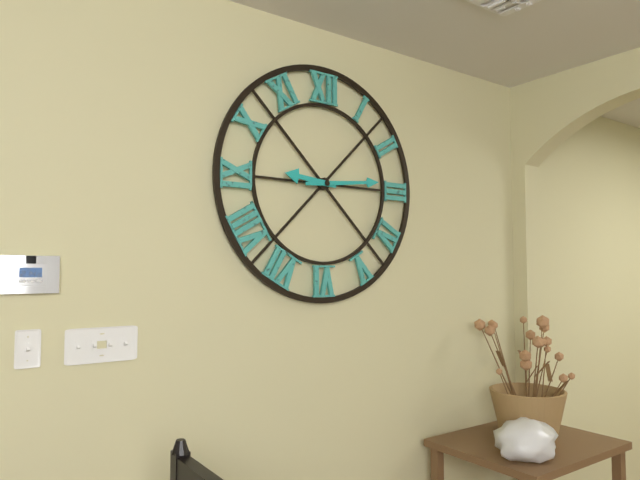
9:14
